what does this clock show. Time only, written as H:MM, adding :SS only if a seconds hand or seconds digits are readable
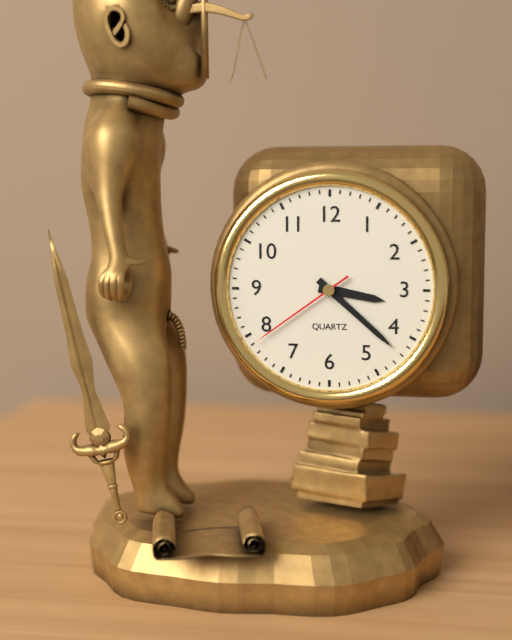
3:22:39
